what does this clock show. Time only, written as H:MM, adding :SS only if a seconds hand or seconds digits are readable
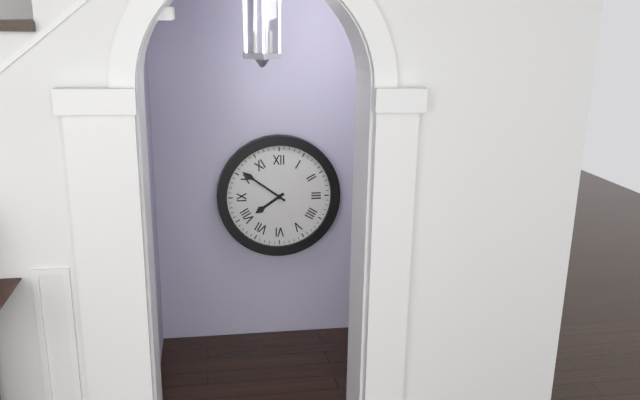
7:51
